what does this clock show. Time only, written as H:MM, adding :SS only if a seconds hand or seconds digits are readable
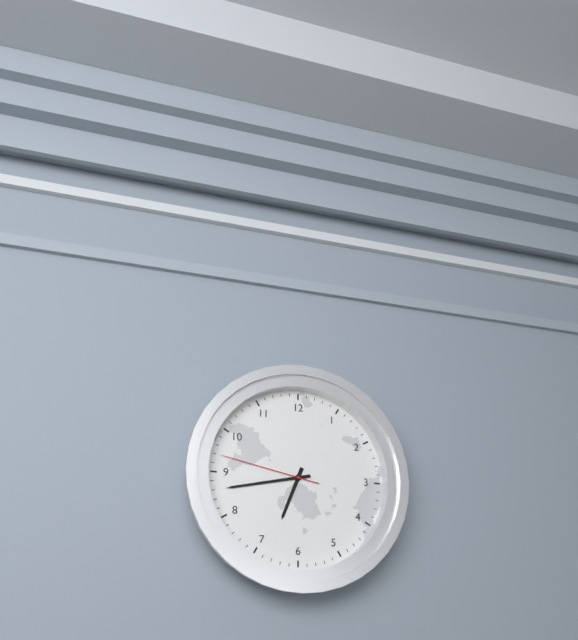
6:43:47
